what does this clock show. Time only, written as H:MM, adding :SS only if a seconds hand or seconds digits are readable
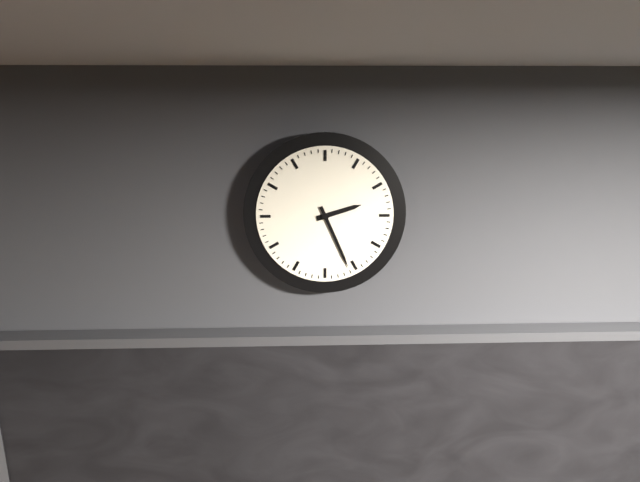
2:26
